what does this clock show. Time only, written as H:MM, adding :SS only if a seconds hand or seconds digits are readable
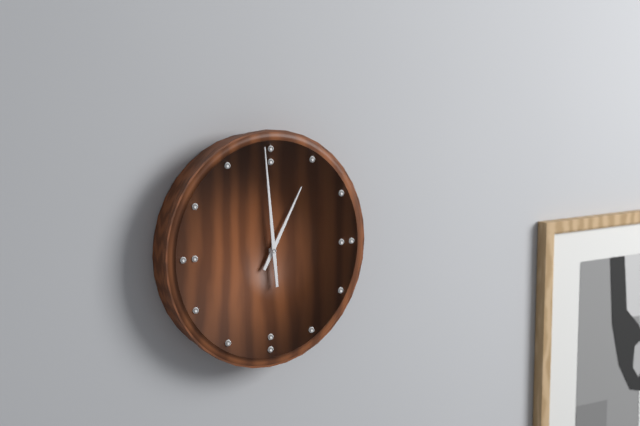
12:59
